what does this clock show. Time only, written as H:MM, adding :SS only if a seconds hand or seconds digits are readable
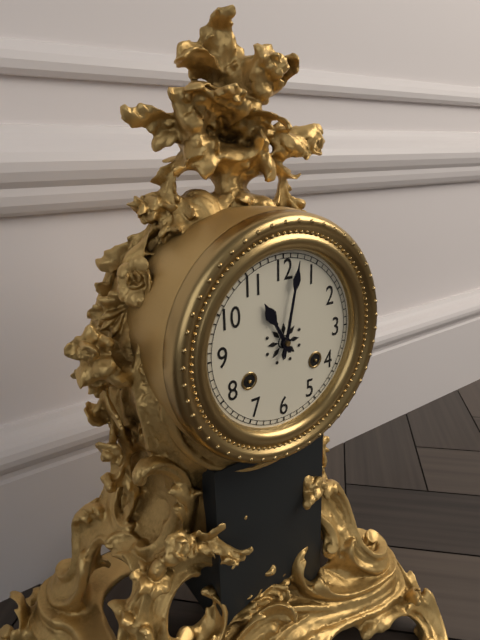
11:02
